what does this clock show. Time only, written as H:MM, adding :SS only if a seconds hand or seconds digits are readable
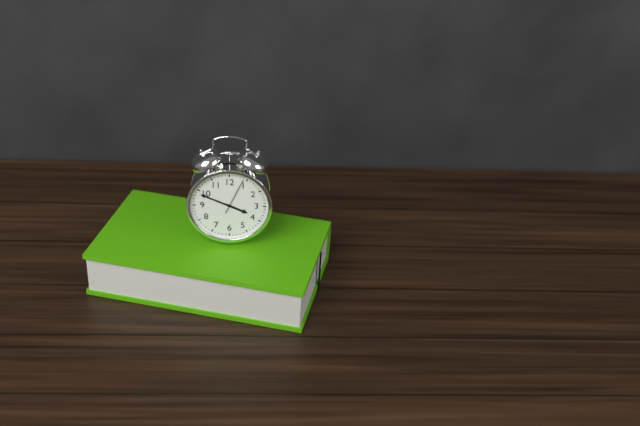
3:49
